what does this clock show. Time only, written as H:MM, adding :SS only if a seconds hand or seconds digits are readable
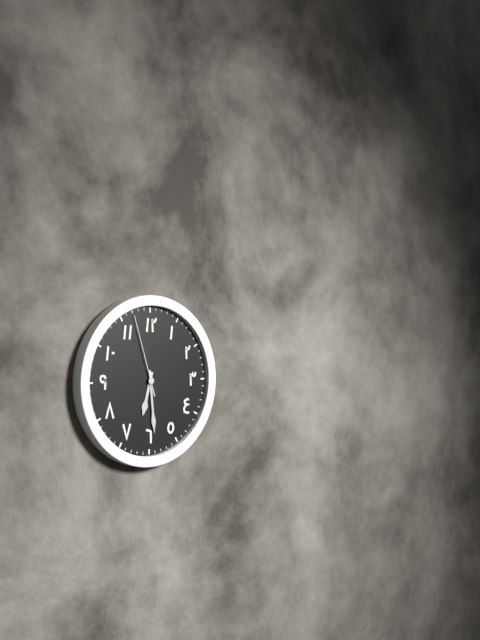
6:29:57
